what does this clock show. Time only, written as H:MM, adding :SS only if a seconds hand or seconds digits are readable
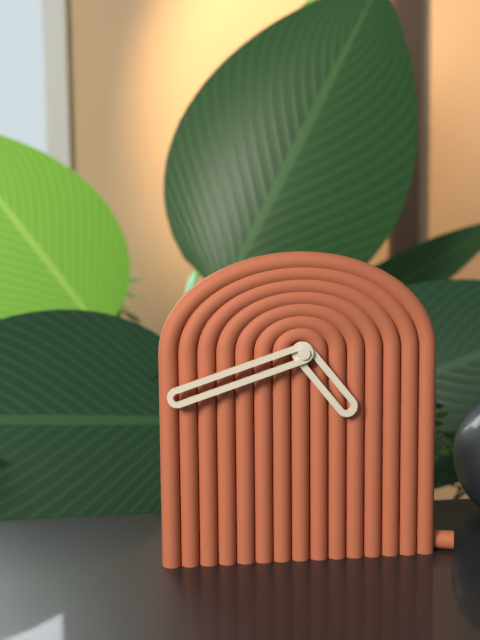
4:42
